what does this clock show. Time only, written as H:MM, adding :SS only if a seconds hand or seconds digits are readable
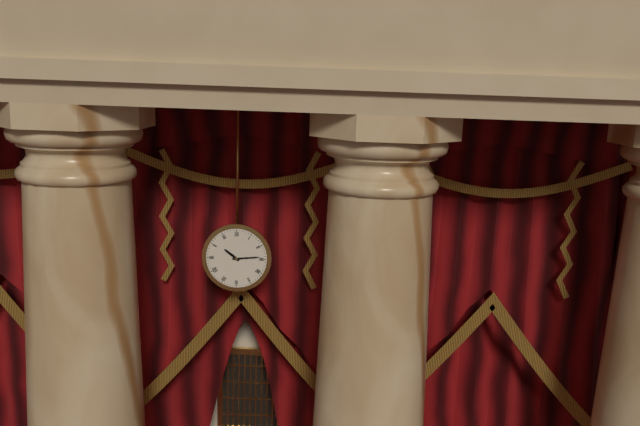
10:14
